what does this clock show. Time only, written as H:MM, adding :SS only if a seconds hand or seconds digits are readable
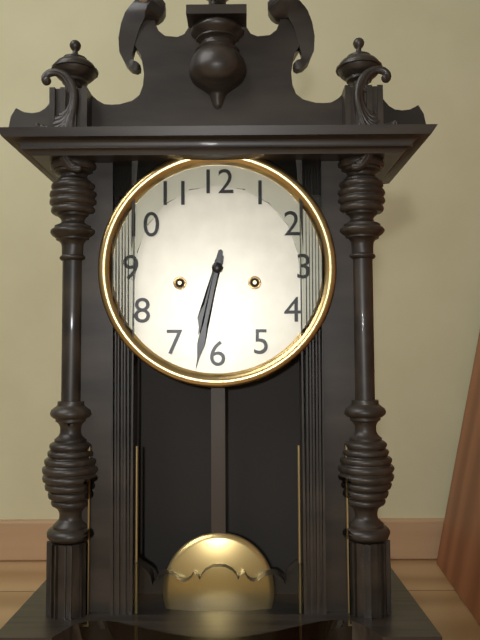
6:32
